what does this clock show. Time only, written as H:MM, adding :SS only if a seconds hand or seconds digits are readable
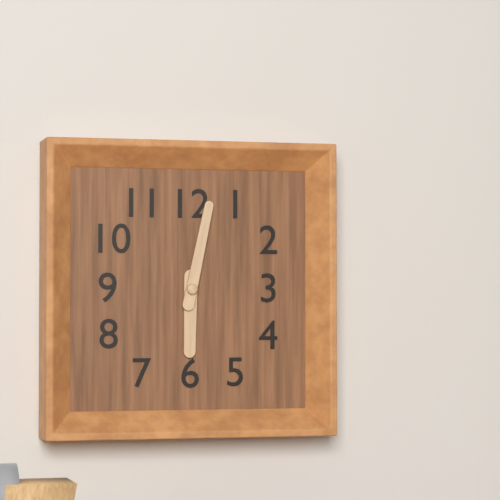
6:02
